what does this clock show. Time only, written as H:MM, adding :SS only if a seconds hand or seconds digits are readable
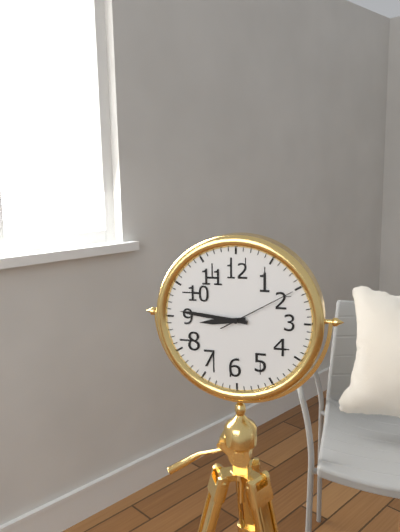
8:46:10
